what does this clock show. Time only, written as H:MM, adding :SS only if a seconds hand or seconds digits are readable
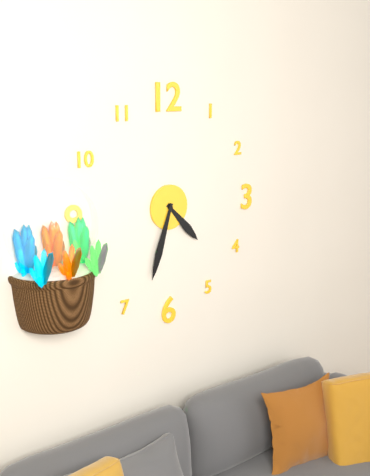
4:33
